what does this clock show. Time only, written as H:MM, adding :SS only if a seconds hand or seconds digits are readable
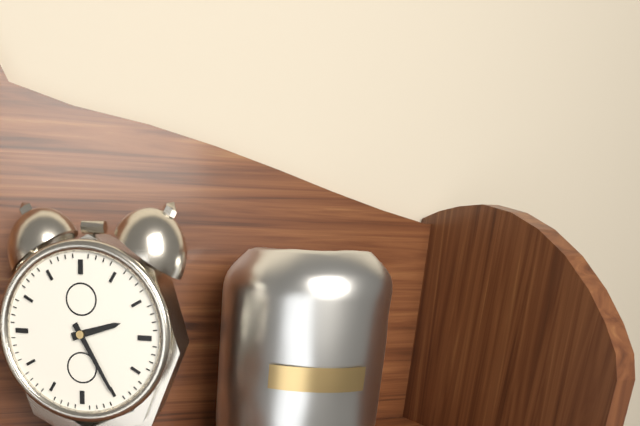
2:25
